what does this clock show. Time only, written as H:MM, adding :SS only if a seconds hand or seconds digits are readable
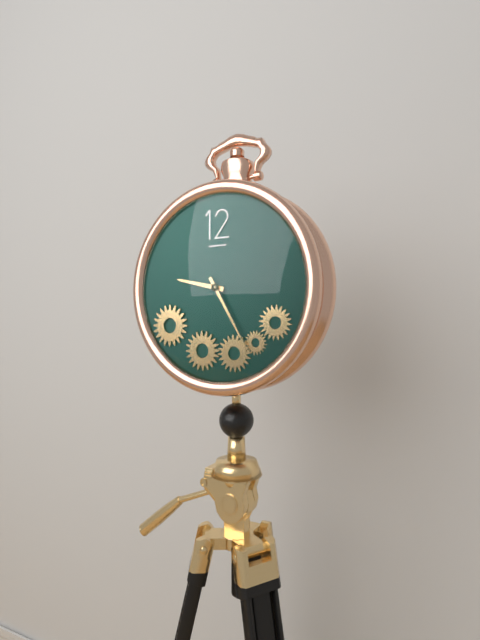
9:25
